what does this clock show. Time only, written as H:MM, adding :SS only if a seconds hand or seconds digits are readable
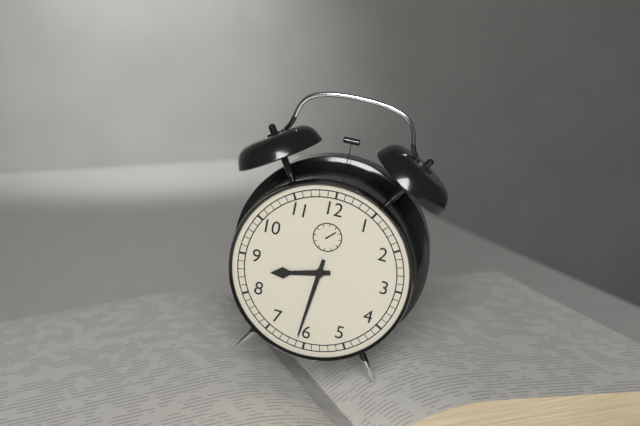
8:31
